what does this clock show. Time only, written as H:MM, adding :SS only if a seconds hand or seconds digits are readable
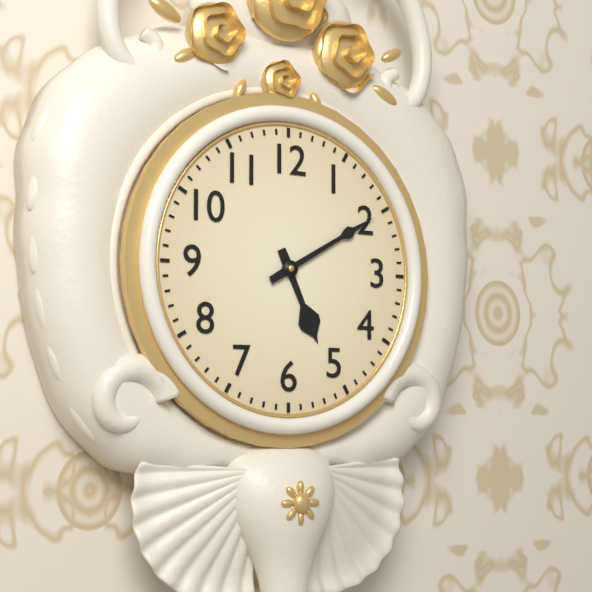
5:10
